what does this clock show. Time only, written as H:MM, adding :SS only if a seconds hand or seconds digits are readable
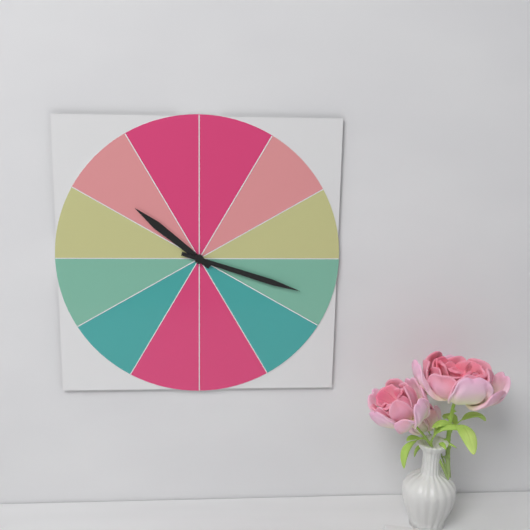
10:18
